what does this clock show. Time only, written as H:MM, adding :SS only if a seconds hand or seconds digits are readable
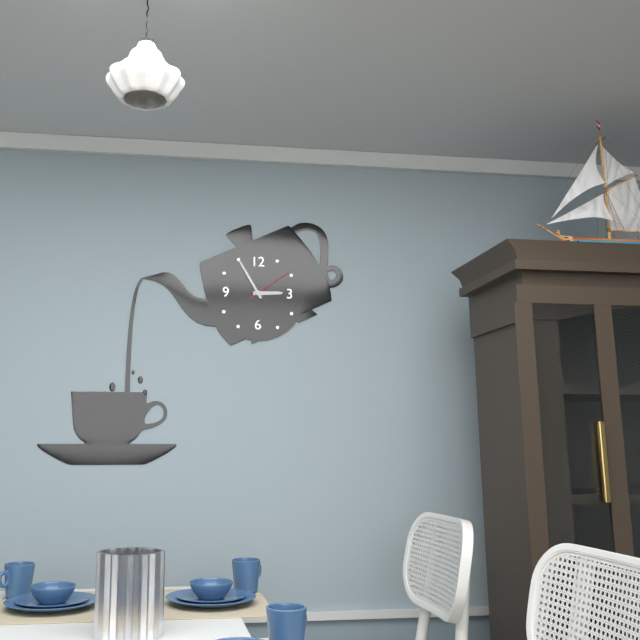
2:55
